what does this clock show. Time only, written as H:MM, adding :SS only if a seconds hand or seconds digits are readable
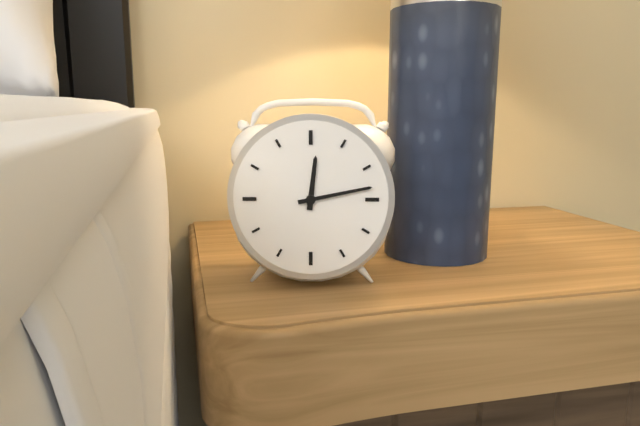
12:13
